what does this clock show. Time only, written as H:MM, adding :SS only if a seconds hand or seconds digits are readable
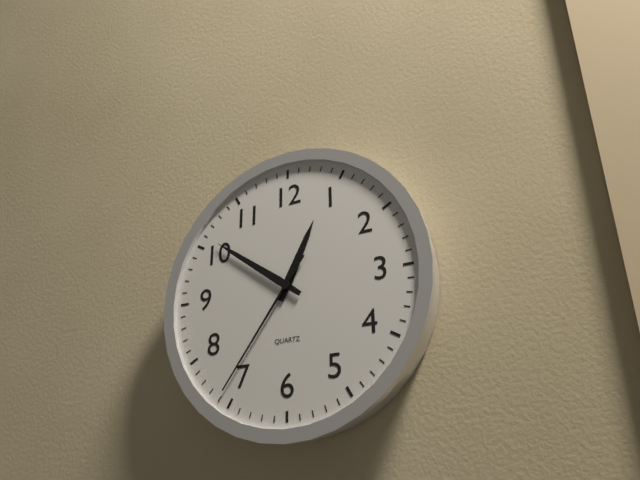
12:51:36
